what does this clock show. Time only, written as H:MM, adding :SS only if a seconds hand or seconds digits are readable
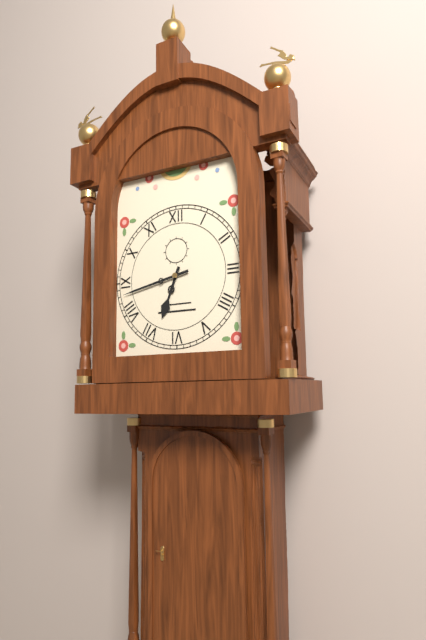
6:43
